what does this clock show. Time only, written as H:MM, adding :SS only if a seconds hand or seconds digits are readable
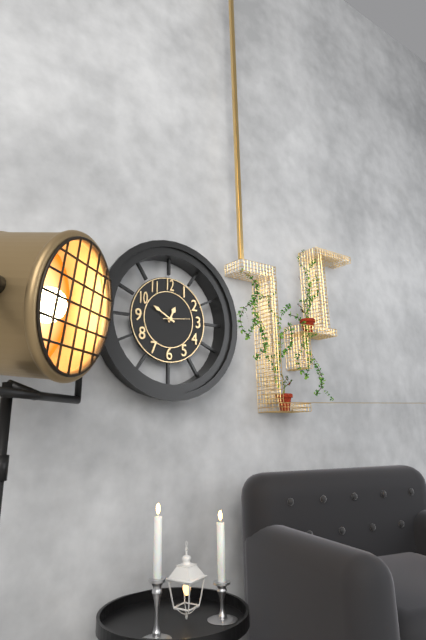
12:50
